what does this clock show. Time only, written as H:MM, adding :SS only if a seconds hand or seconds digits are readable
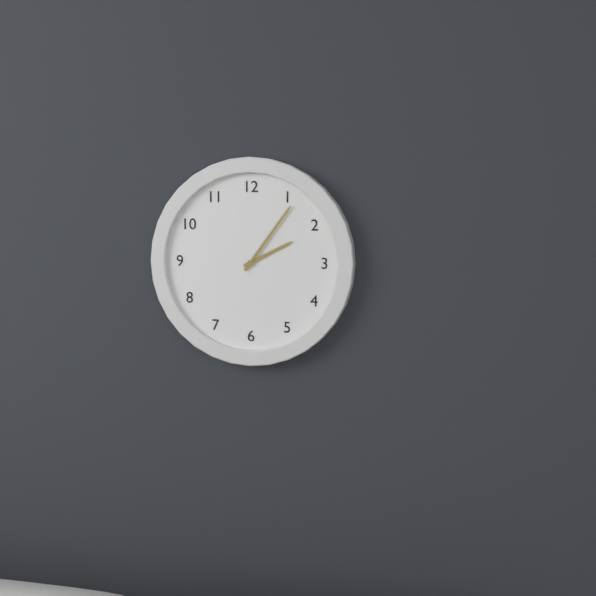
2:06
